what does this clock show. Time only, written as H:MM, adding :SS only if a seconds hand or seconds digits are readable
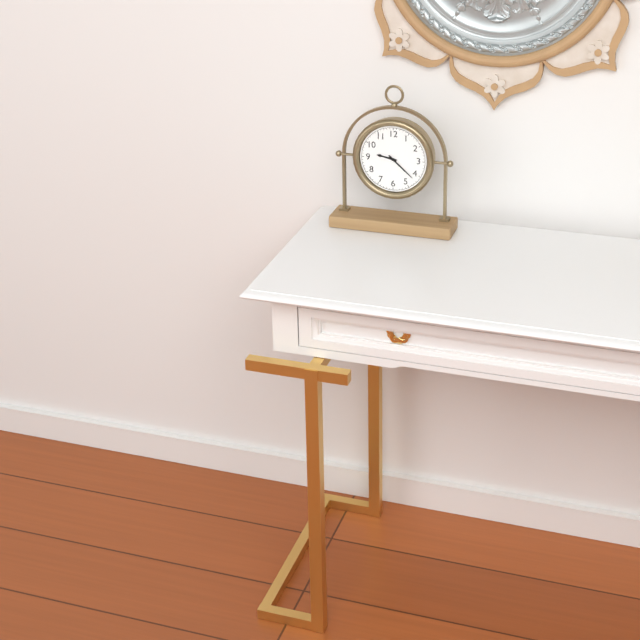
9:22
